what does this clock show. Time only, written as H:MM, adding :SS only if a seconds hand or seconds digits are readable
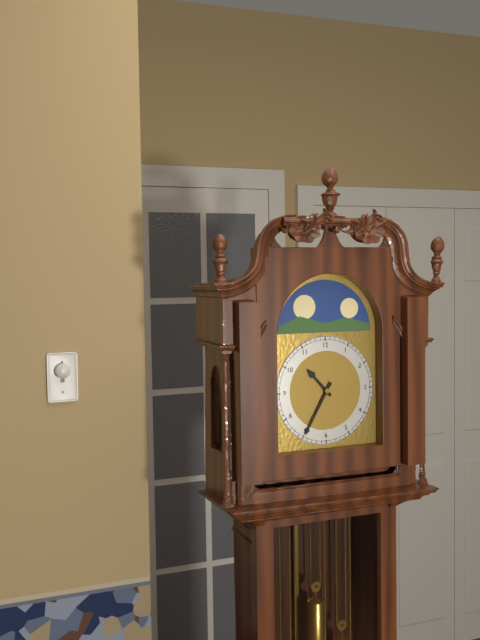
10:35
